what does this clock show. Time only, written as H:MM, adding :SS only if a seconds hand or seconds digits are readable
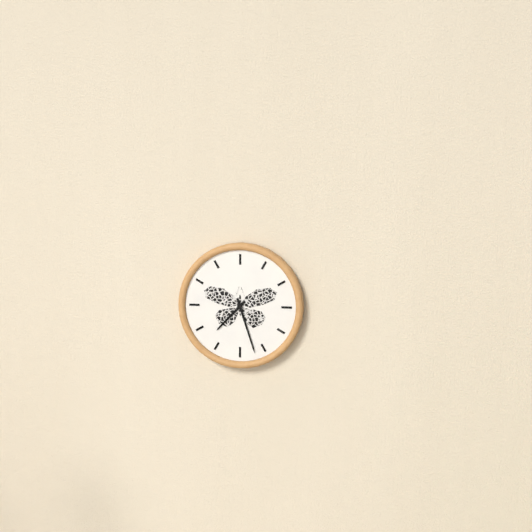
7:27
